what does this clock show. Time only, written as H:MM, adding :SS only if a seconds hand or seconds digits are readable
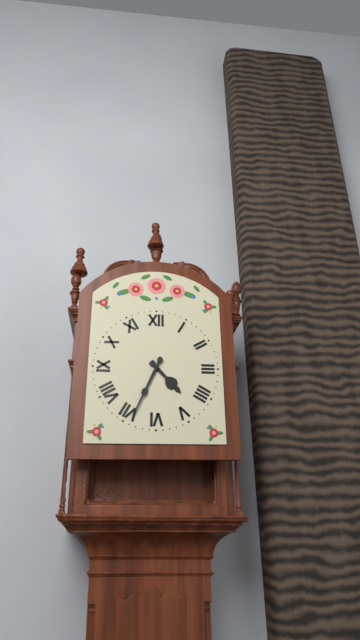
4:34
